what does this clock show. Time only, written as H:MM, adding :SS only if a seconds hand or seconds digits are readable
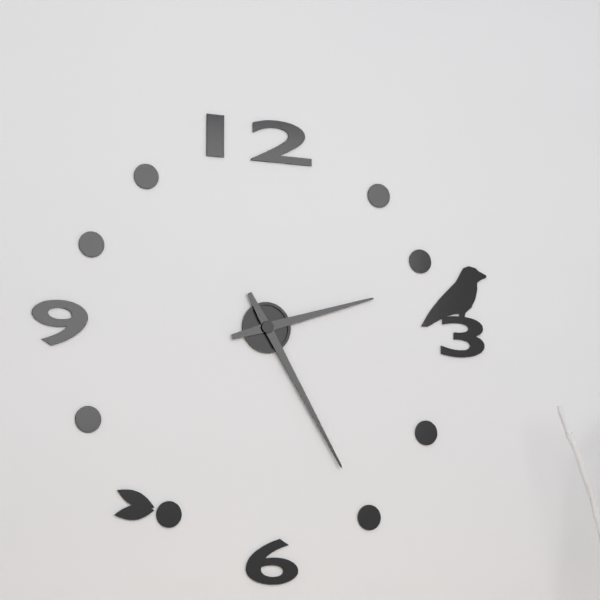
2:25
